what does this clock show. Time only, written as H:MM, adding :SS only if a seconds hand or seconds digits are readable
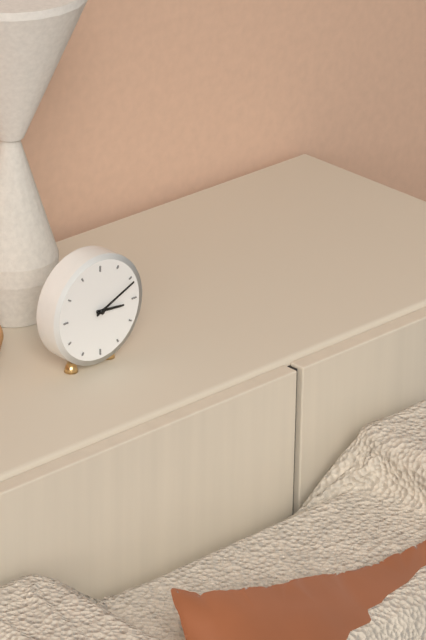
3:11
